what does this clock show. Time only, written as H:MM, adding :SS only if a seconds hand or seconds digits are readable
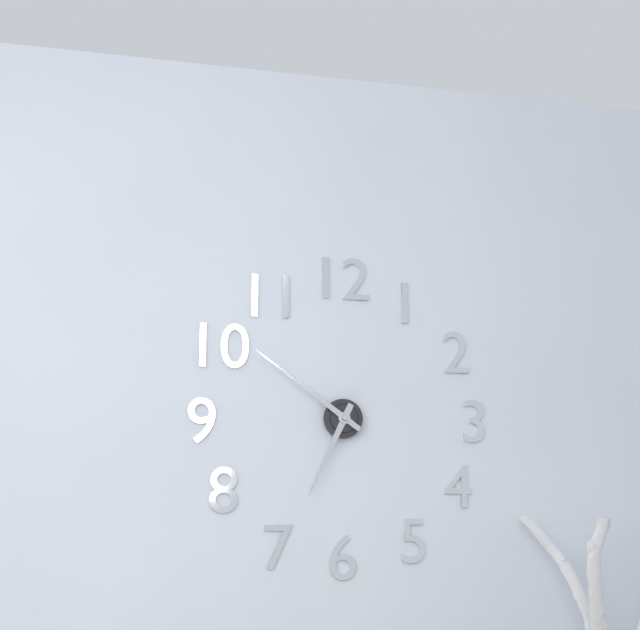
6:51
